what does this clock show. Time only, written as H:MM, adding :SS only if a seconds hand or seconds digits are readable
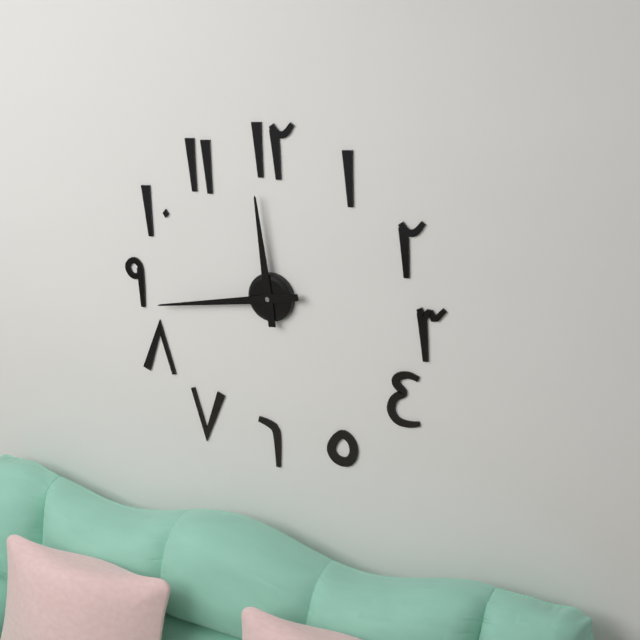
11:43
